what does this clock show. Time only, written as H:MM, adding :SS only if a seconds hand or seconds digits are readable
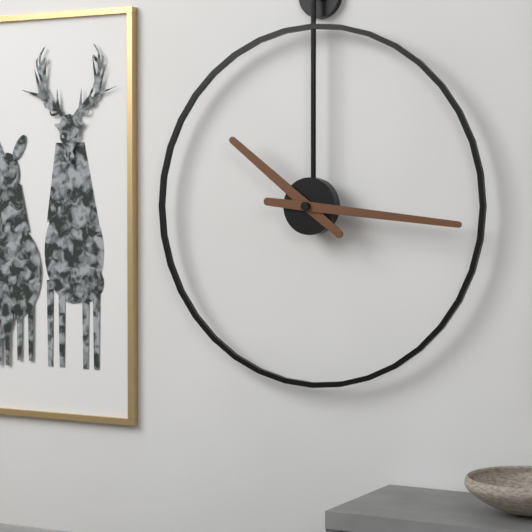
10:16
